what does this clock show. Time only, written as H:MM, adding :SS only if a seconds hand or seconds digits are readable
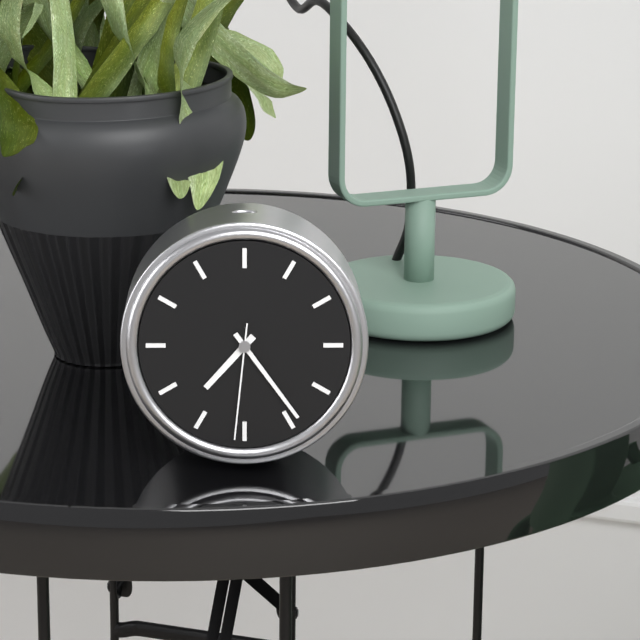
7:24:31
